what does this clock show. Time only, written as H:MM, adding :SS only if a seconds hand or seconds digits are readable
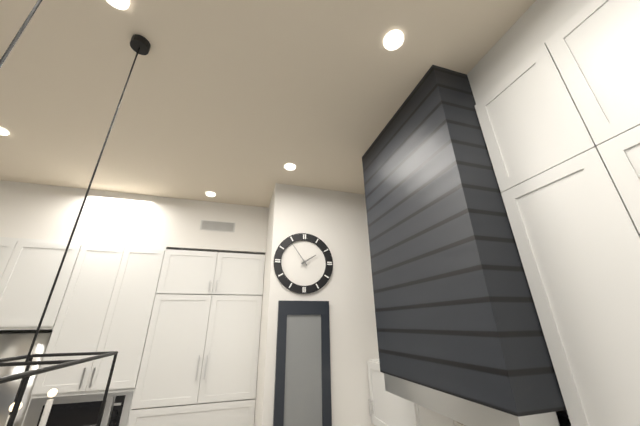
1:54
